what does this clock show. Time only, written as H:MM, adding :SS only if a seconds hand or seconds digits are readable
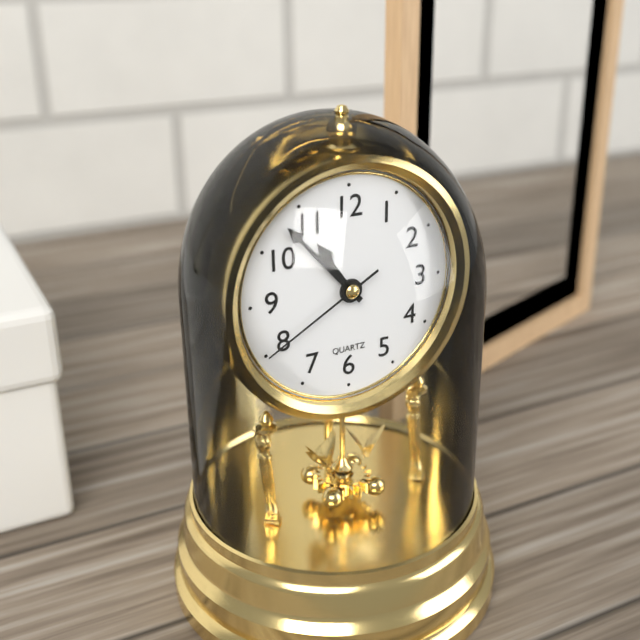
10:53:40
